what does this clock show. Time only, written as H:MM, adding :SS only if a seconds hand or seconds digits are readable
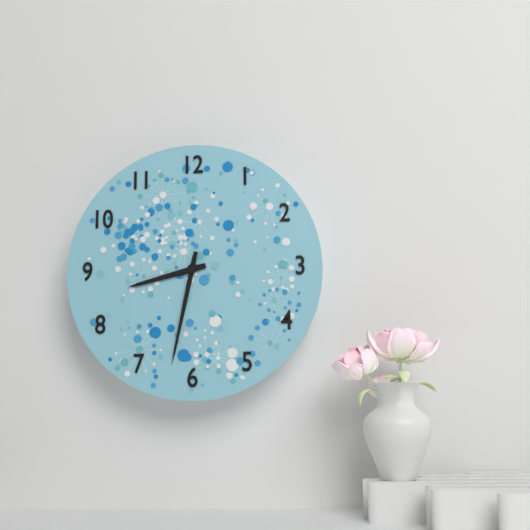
8:32
